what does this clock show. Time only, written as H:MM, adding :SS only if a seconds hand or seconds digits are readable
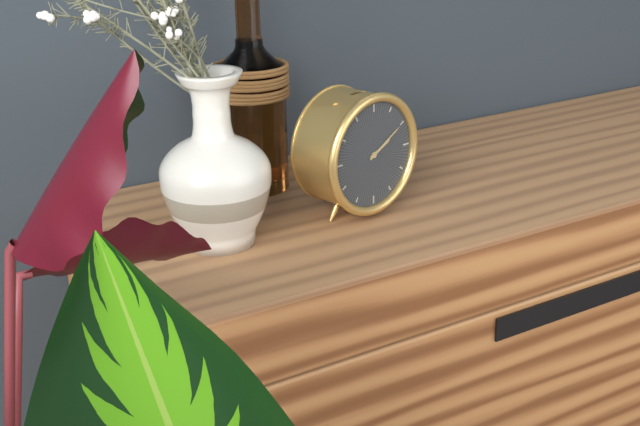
2:10
